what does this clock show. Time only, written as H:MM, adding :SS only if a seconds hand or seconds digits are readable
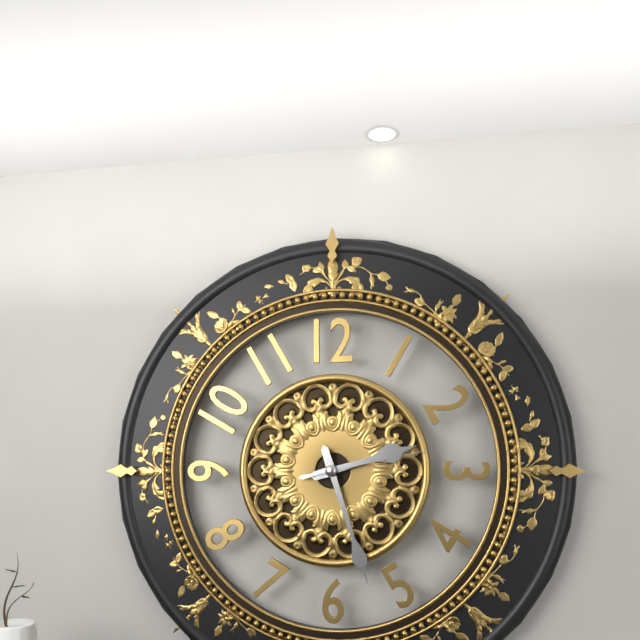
2:27:13
